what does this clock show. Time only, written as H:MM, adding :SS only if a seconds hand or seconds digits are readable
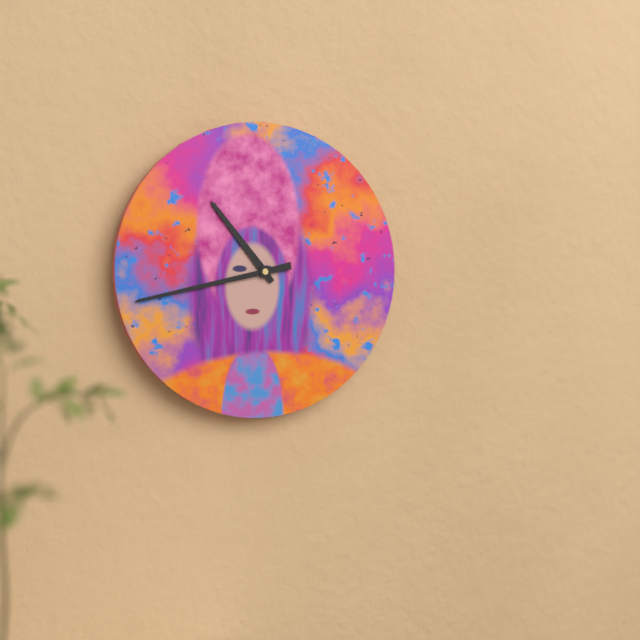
10:43
